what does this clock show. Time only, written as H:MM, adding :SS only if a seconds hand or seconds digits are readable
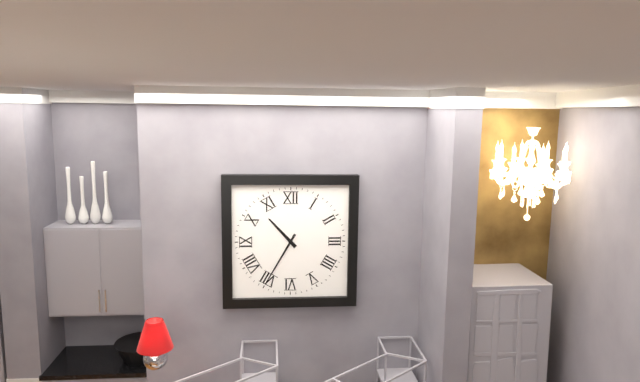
10:35
